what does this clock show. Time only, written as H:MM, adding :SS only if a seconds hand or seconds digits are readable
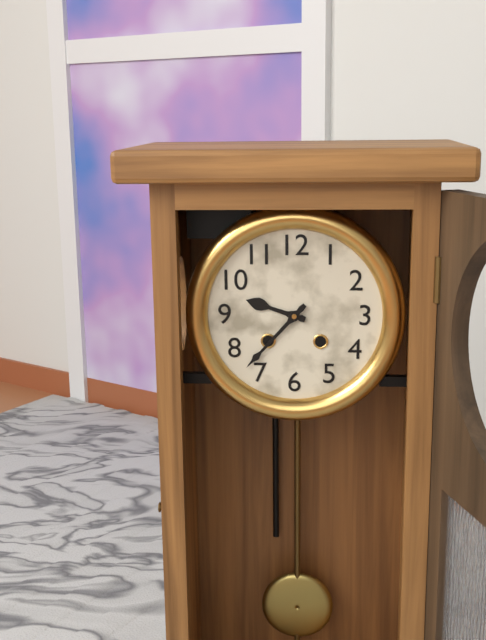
9:37
